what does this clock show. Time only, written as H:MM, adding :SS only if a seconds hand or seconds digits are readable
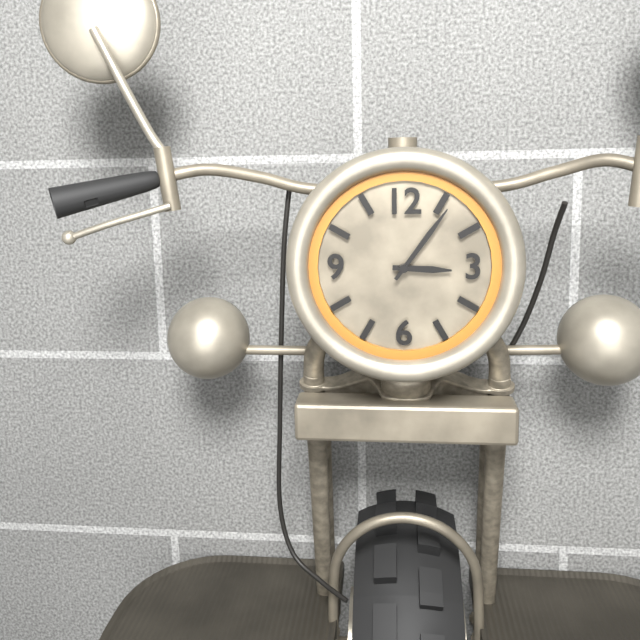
3:06
